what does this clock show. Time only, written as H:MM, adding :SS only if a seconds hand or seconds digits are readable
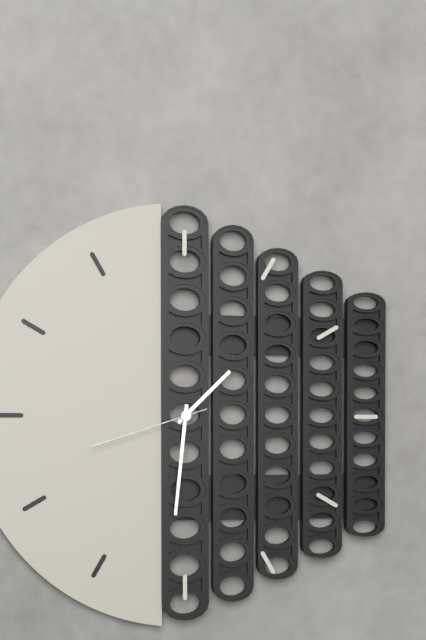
1:31:42
